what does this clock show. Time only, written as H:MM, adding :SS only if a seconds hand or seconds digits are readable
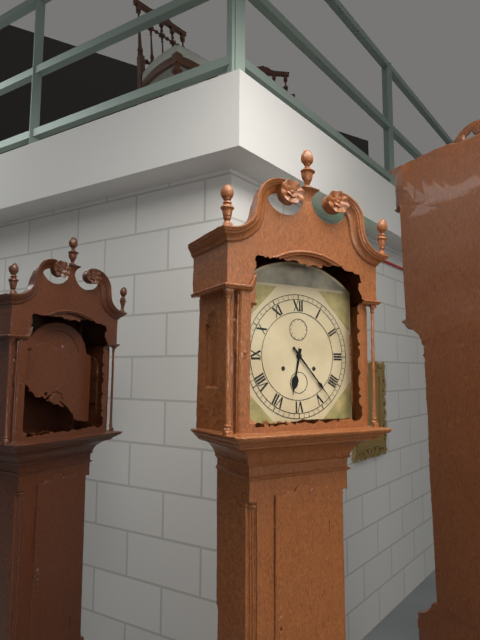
6:23
